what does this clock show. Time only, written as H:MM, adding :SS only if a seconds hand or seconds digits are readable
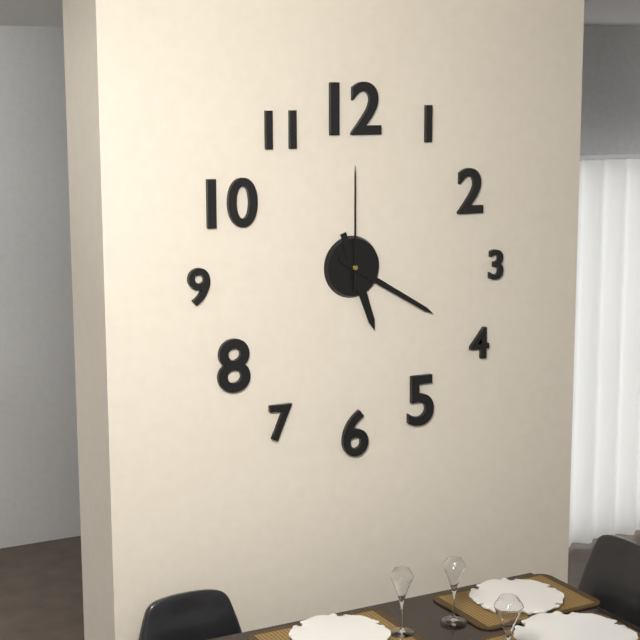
5:20:00
